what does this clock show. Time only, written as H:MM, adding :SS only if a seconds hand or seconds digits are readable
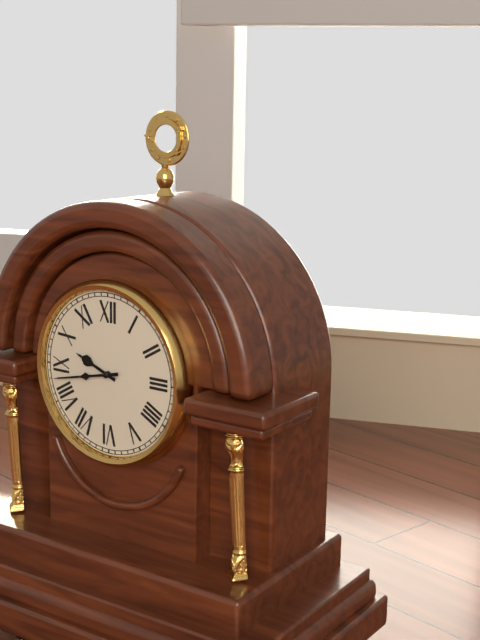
9:43
